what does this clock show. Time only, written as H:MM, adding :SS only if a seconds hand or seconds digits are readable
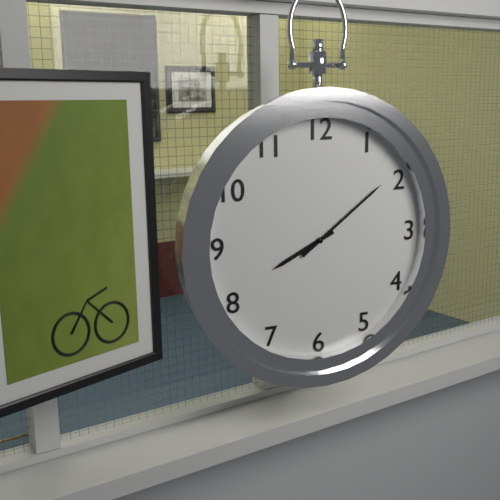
8:09
